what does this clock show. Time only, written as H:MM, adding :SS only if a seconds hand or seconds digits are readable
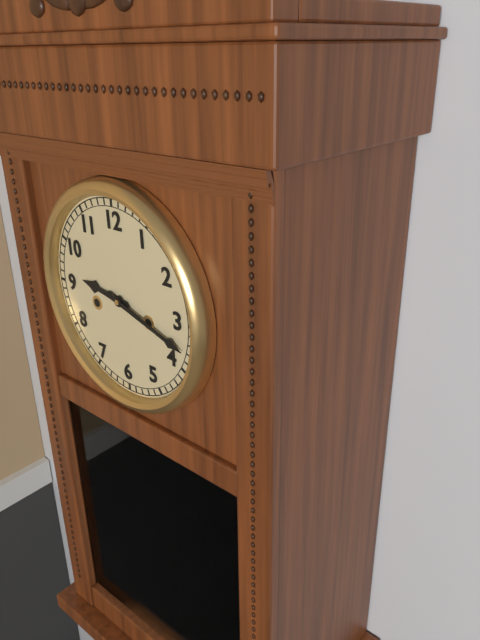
9:18
